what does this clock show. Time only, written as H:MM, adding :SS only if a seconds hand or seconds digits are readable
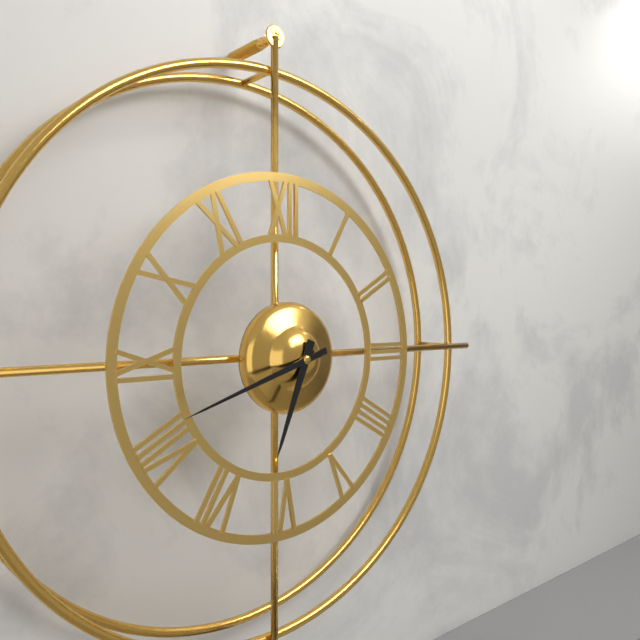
6:42
